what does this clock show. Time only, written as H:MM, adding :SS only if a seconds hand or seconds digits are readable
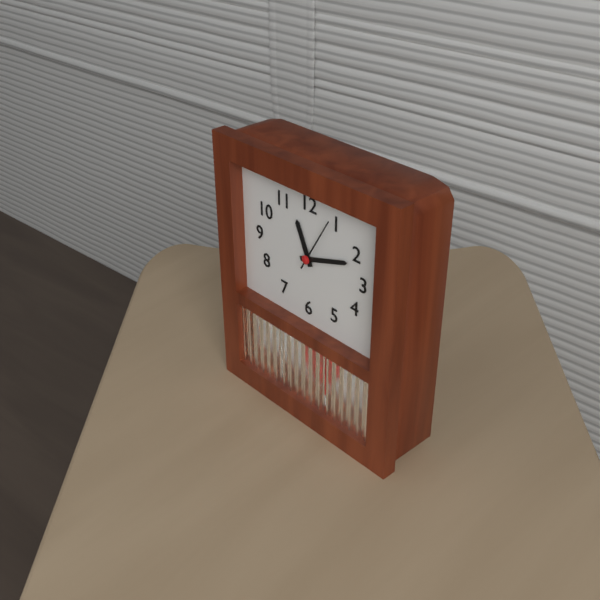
11:12:05
